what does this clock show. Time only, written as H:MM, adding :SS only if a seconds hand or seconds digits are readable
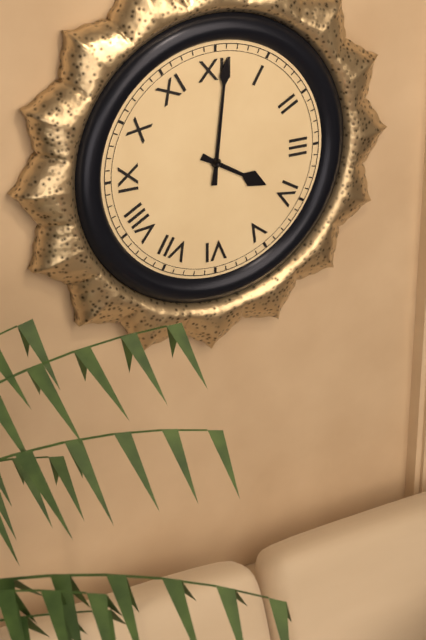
4:01
